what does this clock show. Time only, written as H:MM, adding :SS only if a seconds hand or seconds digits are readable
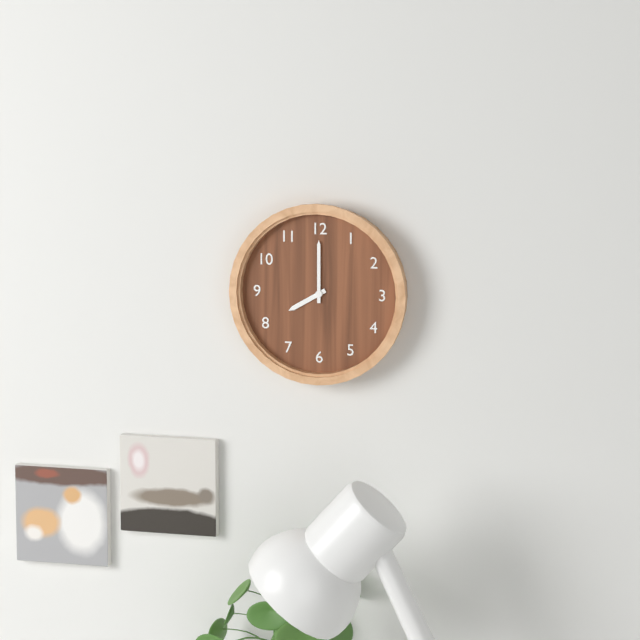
8:00
